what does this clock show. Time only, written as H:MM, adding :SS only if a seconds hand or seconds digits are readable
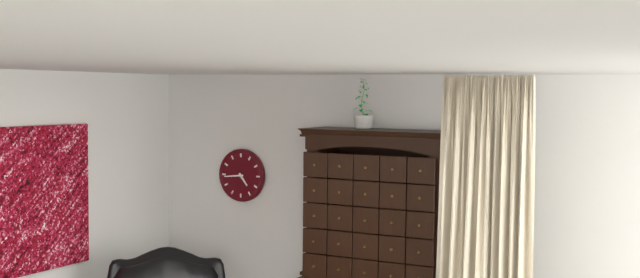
4:44
